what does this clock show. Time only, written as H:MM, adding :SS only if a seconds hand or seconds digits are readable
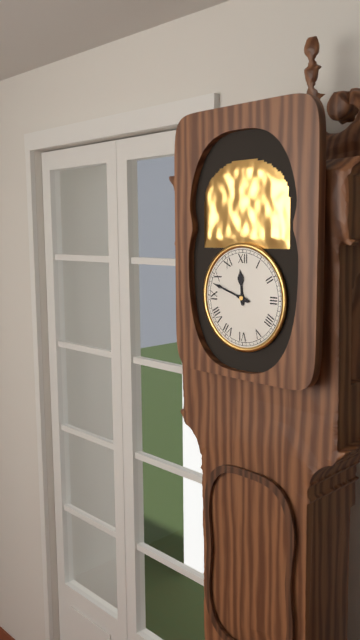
11:48
